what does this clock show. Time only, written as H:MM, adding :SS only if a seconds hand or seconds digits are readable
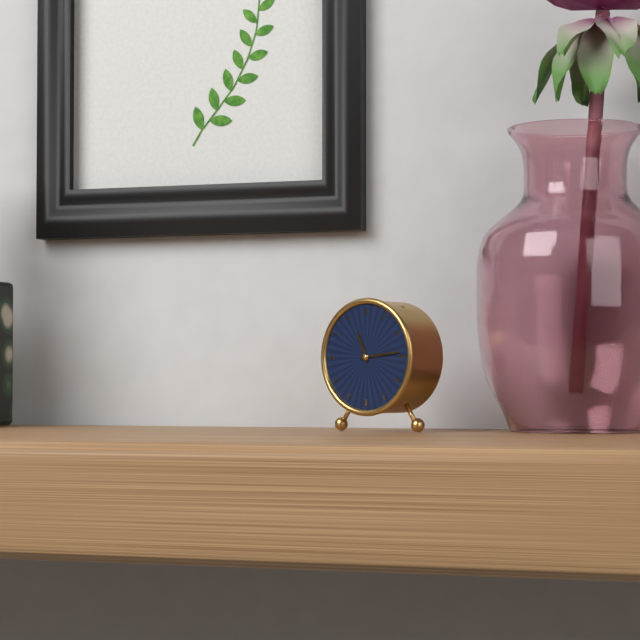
11:14
